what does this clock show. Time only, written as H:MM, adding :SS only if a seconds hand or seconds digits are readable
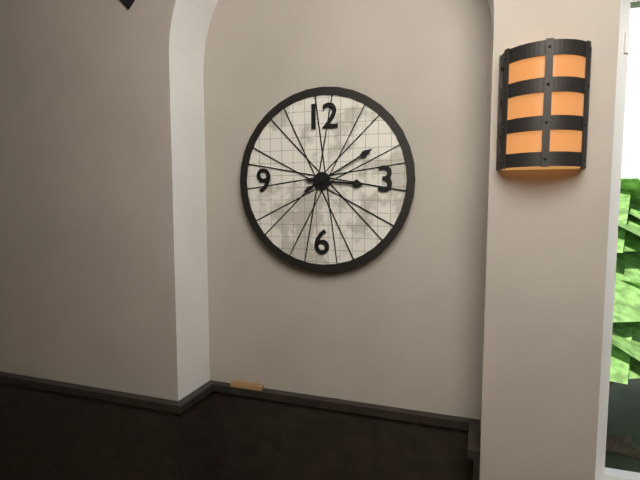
3:10
